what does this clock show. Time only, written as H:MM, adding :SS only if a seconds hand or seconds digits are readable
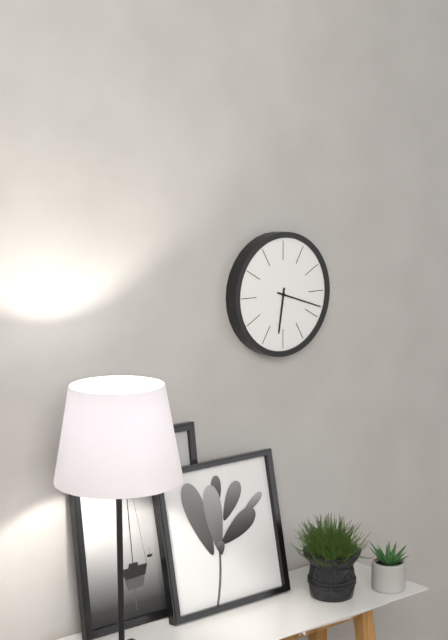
6:18
